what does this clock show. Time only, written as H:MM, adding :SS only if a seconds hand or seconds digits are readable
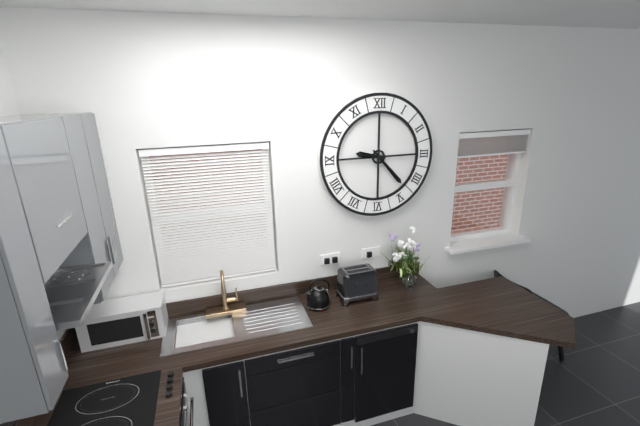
9:23
